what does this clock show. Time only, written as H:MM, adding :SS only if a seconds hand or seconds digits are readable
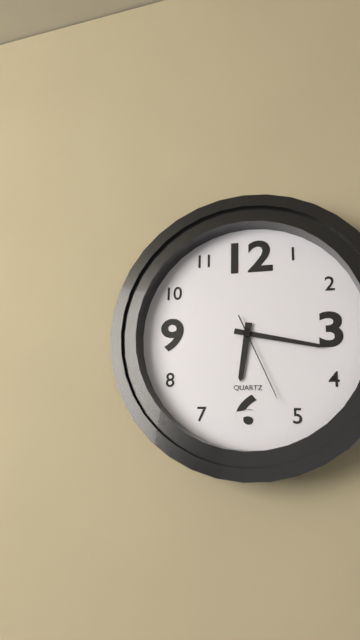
6:17:26
